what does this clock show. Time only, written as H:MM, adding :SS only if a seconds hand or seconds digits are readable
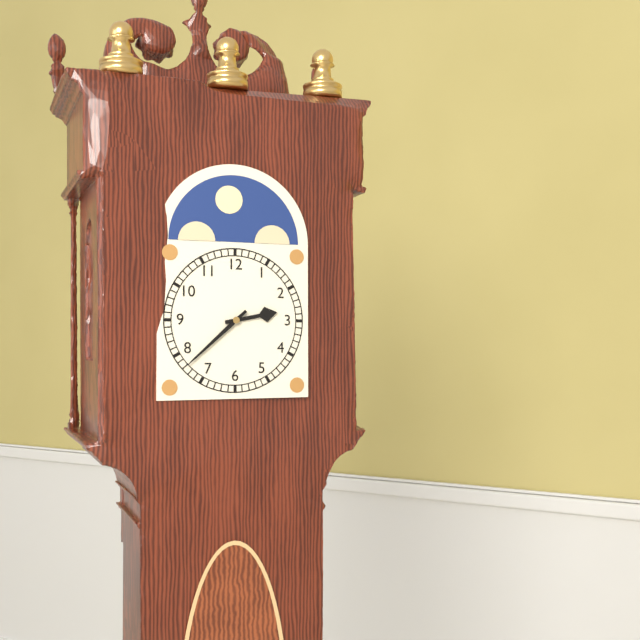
2:38
